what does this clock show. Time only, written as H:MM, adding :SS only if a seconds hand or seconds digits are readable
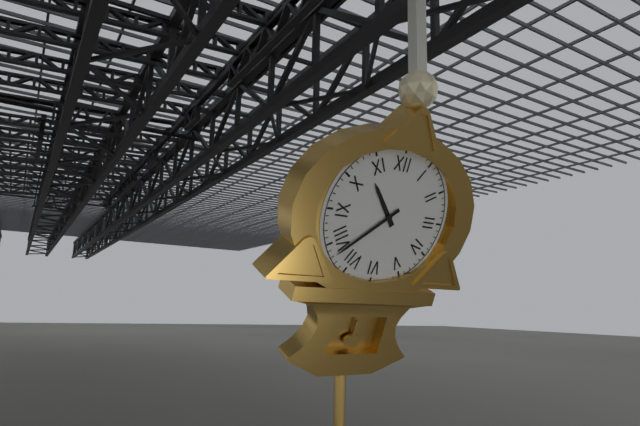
10:38
